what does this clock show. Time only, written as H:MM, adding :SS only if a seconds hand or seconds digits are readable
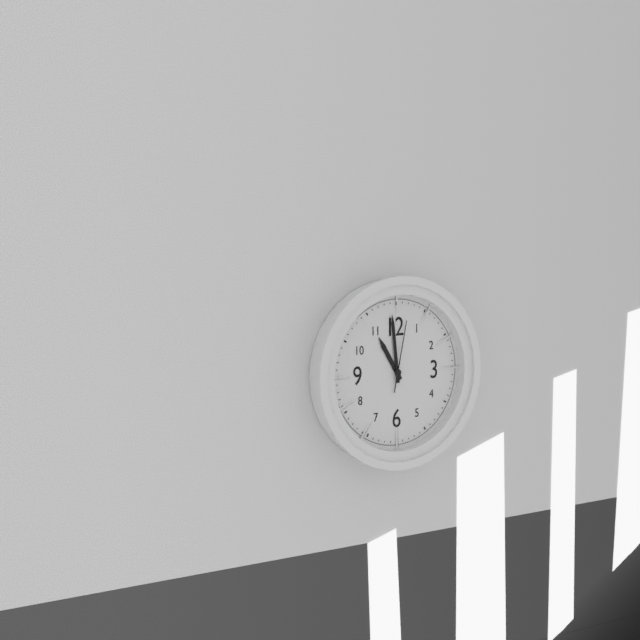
10:59:02
